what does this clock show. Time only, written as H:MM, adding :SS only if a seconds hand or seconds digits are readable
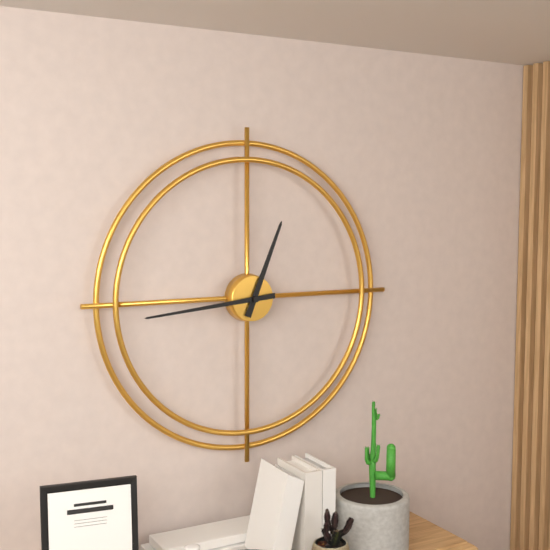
12:44
